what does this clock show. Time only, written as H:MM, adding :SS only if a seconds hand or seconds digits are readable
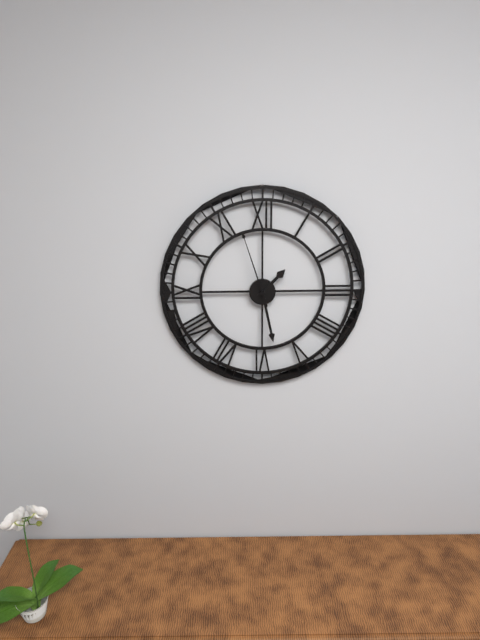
1:28:57
